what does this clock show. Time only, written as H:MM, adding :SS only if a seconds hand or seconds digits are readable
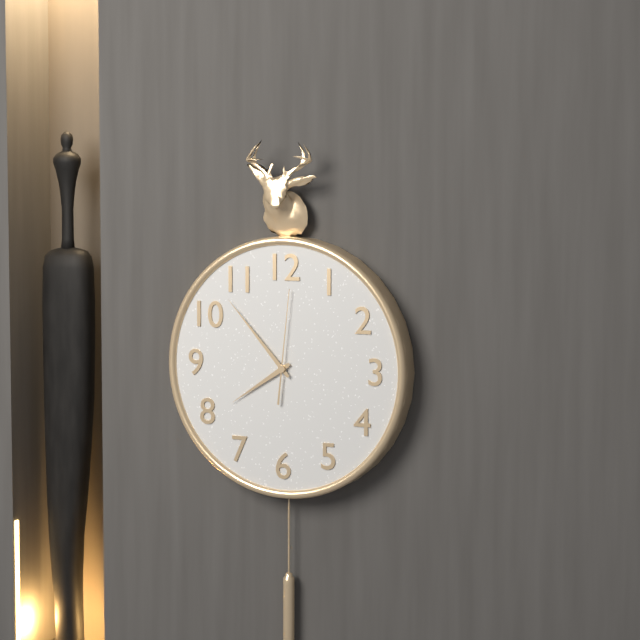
7:53:01
